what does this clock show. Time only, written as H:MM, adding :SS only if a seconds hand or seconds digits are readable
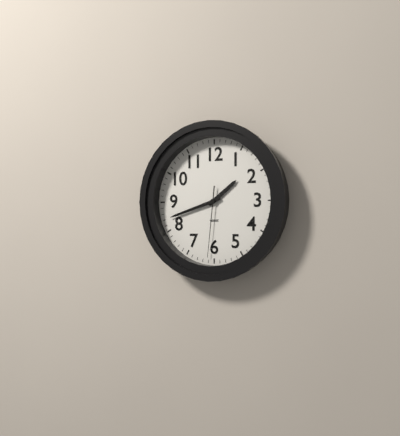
1:42:31
